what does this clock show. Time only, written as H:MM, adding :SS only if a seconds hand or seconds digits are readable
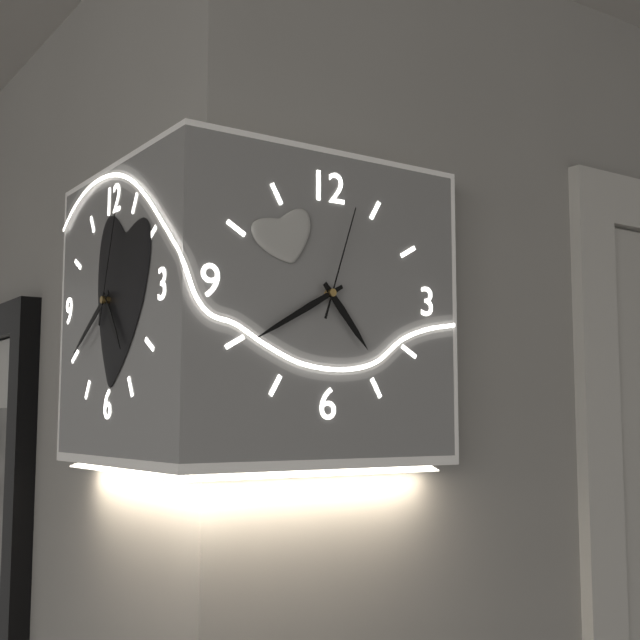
4:40:03
